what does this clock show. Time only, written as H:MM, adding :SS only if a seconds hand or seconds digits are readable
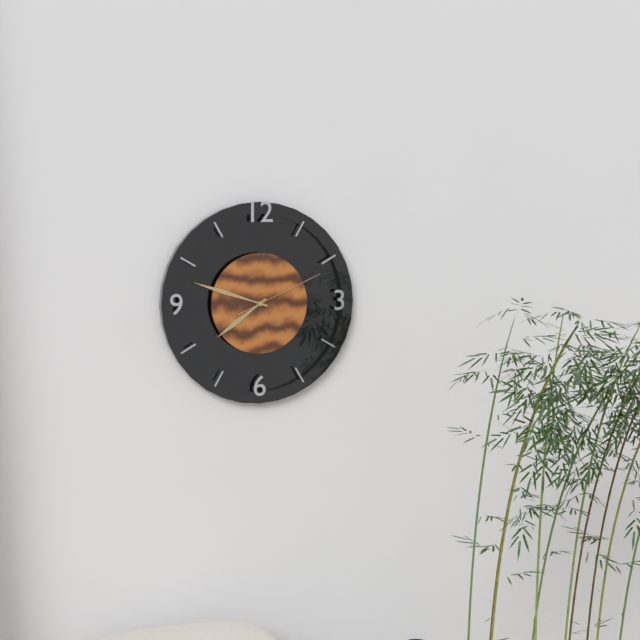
7:48:11
